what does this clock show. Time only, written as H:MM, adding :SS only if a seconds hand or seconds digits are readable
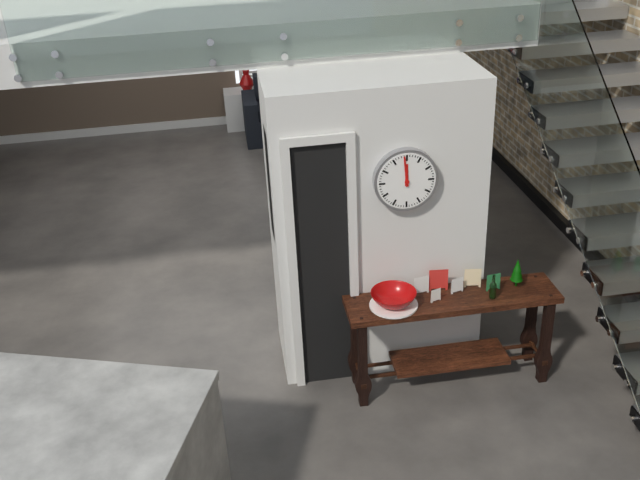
11:59
